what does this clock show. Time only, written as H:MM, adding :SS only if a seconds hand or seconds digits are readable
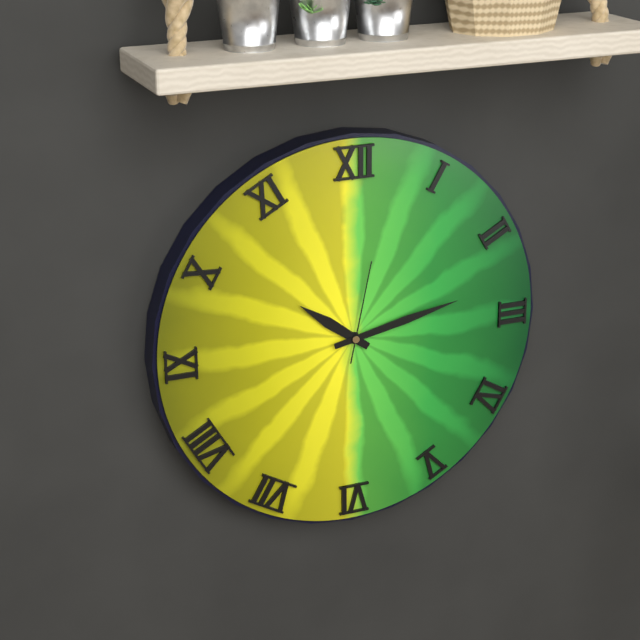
10:13:02
